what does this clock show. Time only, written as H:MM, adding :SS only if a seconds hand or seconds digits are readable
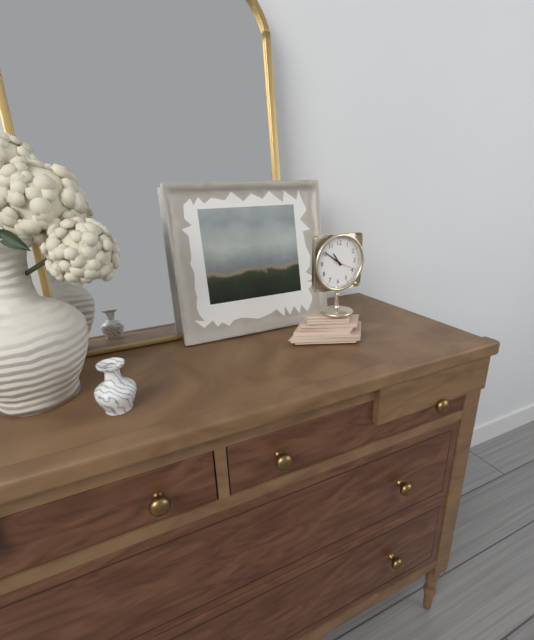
10:51
